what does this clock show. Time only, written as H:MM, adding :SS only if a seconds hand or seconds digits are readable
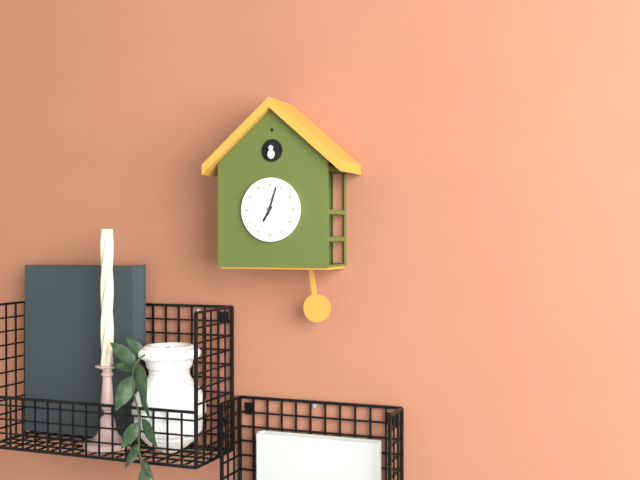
7:03
